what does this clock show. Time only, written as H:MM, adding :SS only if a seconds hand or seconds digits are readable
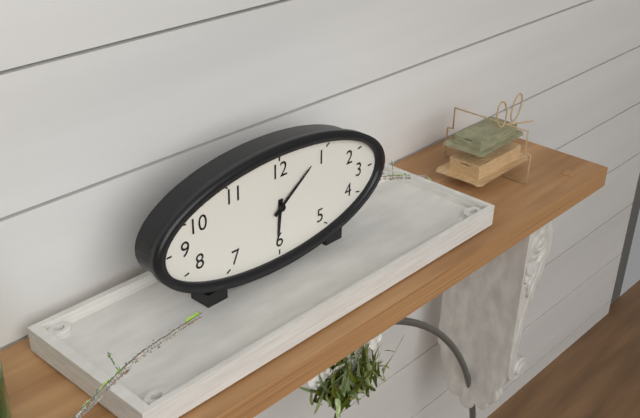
6:09
